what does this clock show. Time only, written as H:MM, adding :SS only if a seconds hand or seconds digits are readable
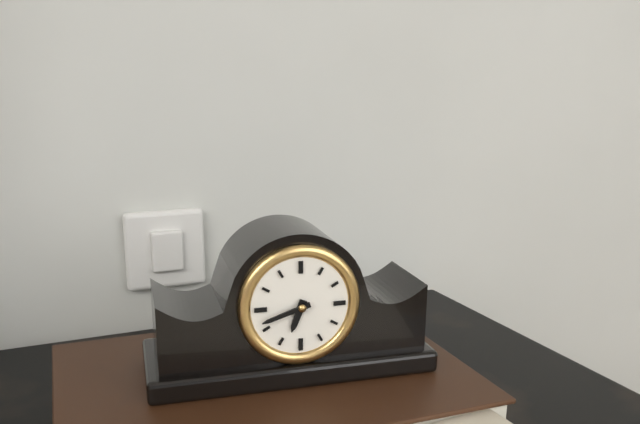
6:42
